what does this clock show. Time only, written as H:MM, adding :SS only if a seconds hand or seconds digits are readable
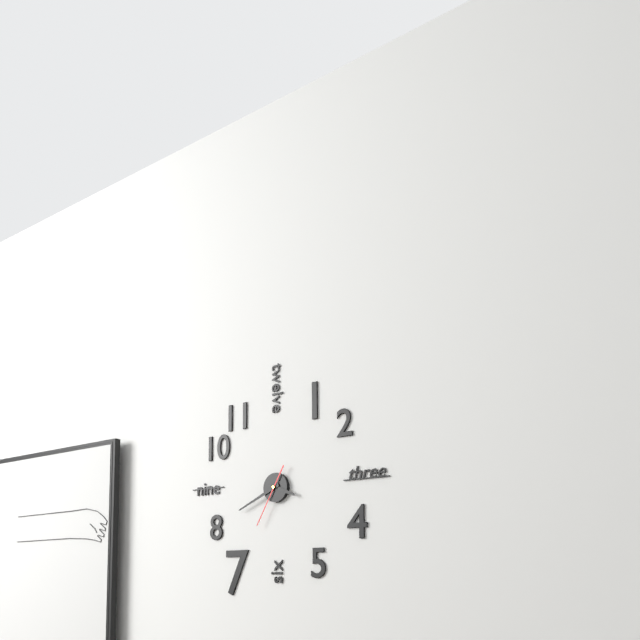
3:41:35
